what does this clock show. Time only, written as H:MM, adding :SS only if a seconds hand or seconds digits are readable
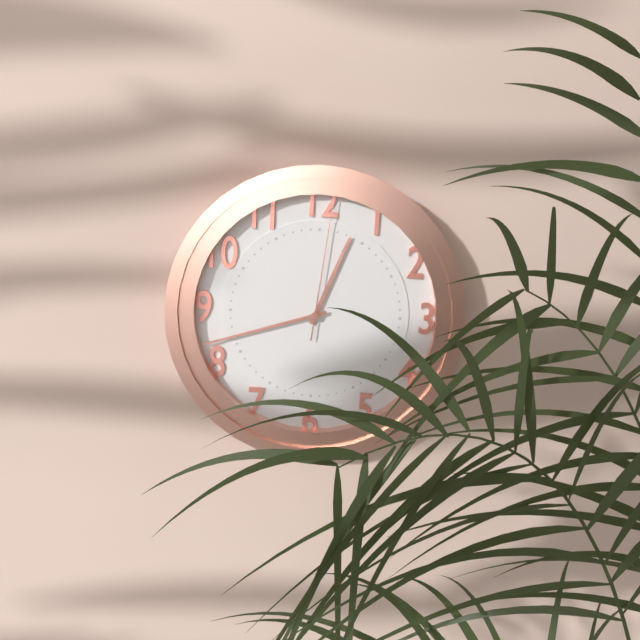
12:42:01
